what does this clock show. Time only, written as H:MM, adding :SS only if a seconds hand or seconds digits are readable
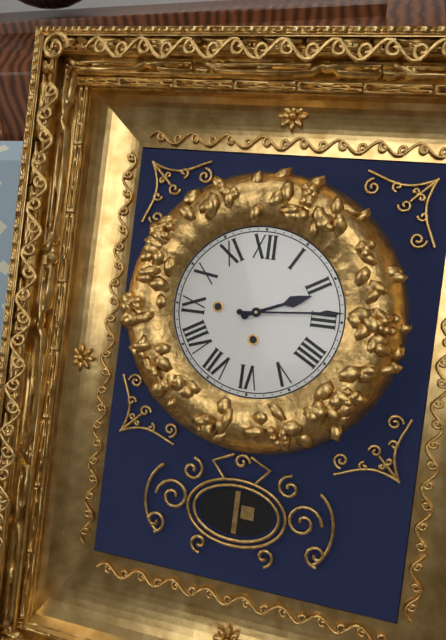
2:14
